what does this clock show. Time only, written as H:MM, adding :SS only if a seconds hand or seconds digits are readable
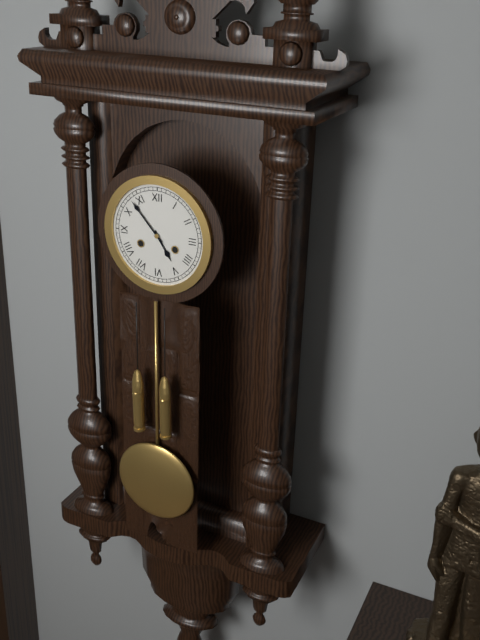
4:53
